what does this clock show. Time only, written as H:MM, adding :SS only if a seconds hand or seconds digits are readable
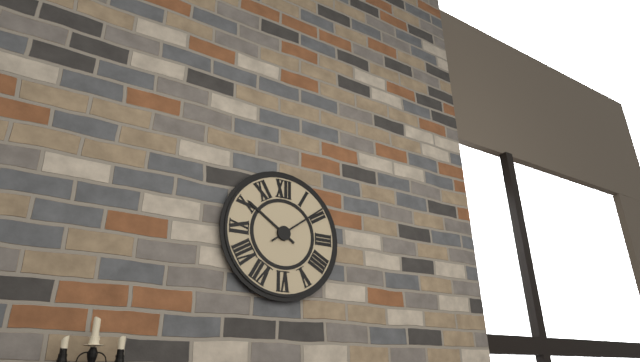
10:09
